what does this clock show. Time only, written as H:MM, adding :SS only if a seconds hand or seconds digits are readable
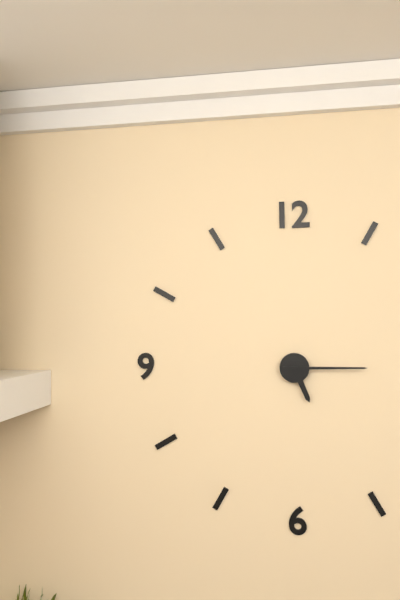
5:15
